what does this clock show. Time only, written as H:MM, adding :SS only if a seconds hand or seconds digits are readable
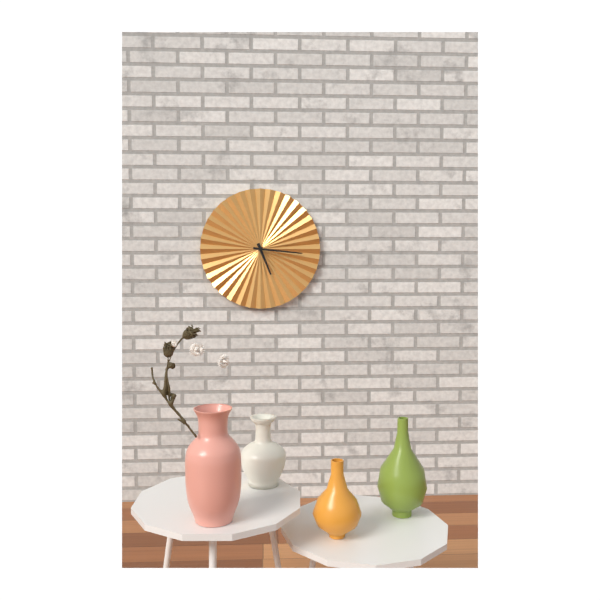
5:16
